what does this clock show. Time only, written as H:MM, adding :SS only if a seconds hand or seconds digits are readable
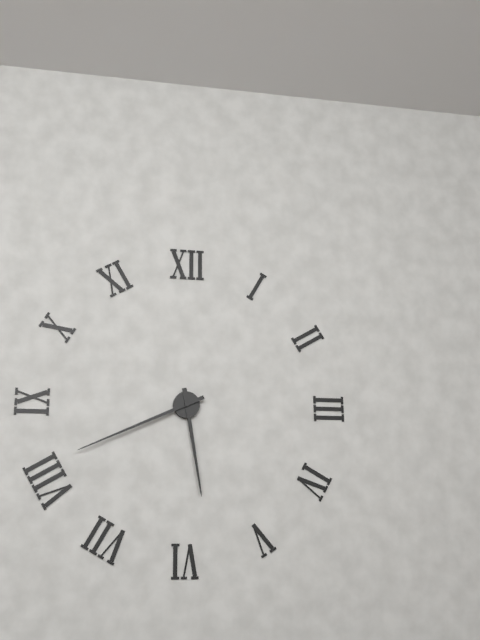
5:41
